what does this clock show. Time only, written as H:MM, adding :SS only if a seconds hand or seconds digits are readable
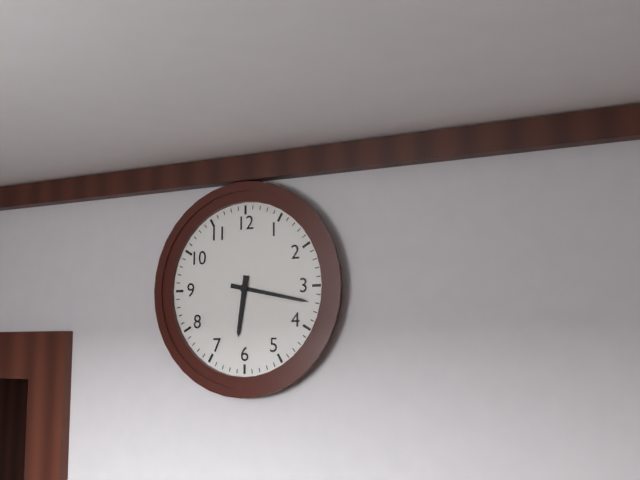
6:17
